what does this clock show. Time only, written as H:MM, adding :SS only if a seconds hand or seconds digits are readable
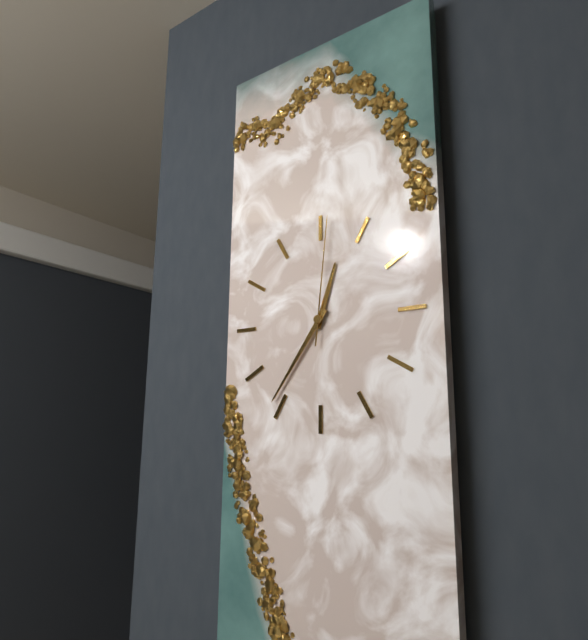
12:36:01
